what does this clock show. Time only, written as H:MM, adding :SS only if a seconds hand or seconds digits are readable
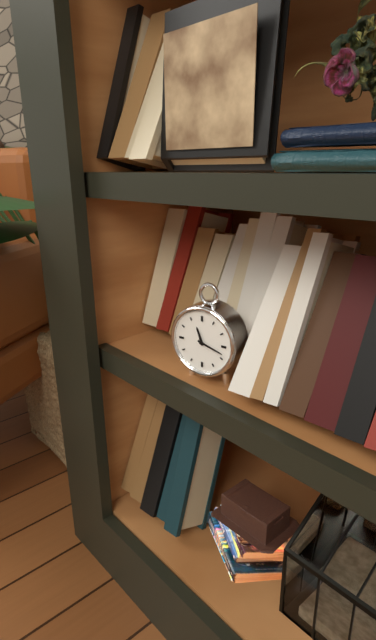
11:18
